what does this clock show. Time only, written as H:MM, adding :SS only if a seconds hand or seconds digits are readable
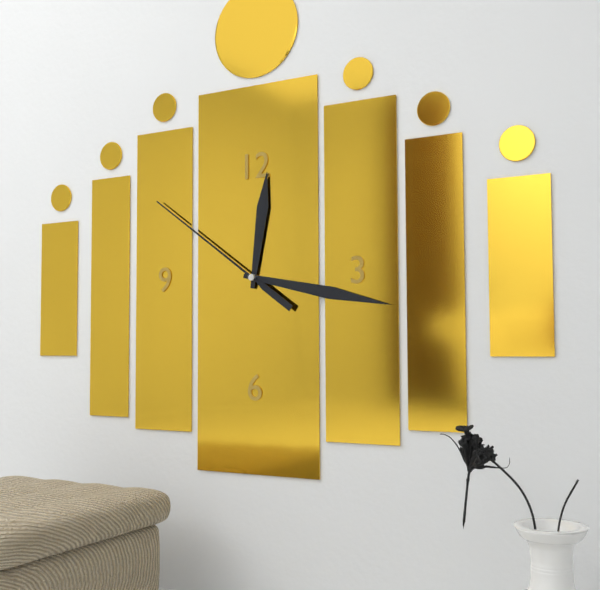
12:17:51
